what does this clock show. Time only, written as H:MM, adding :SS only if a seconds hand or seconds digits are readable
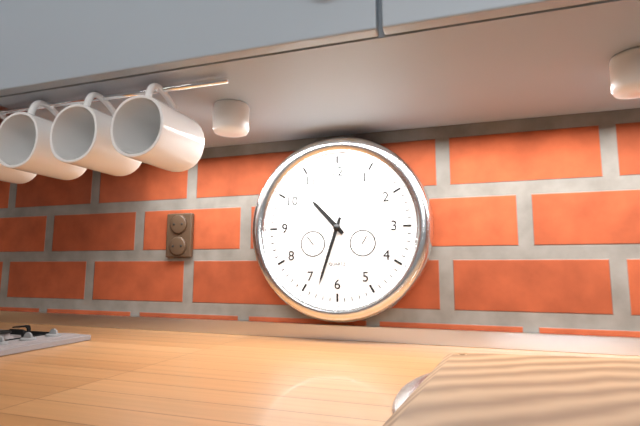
10:33
